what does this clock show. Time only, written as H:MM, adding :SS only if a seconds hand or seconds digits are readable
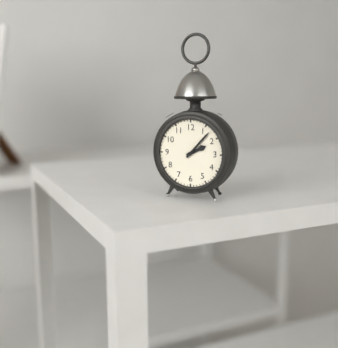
2:07
